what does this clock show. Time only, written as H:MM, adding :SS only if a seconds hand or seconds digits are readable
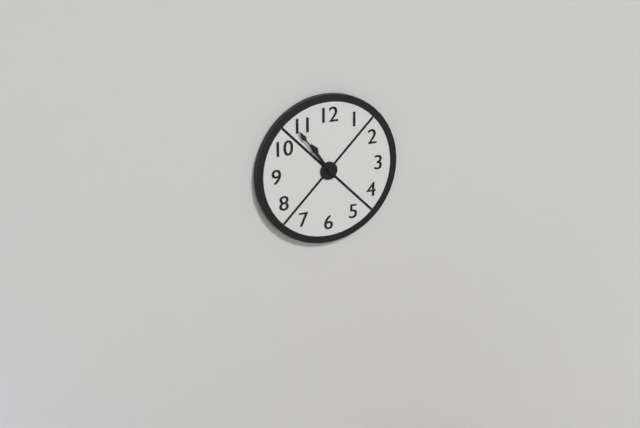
10:54
